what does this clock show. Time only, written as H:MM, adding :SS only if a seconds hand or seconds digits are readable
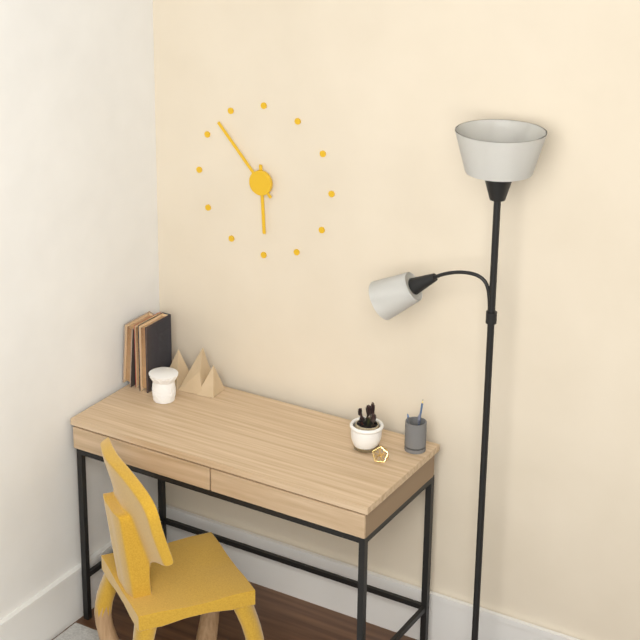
5:53
